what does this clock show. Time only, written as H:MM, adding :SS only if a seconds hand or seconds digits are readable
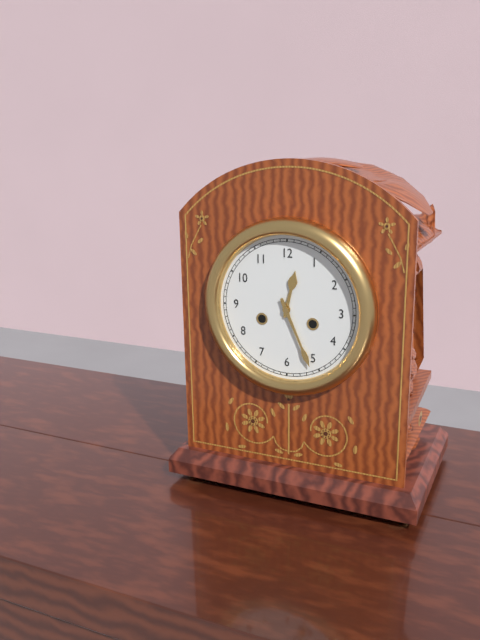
12:26
